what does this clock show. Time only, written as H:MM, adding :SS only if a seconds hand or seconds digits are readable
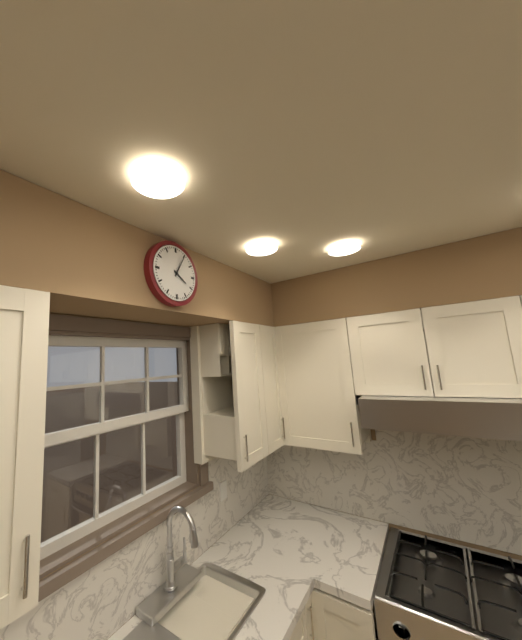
4:05
